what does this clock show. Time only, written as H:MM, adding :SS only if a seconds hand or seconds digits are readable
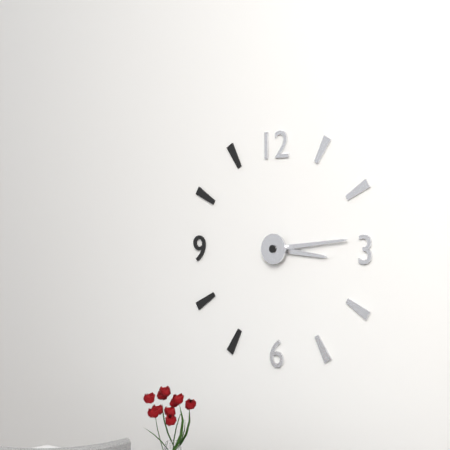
3:14
